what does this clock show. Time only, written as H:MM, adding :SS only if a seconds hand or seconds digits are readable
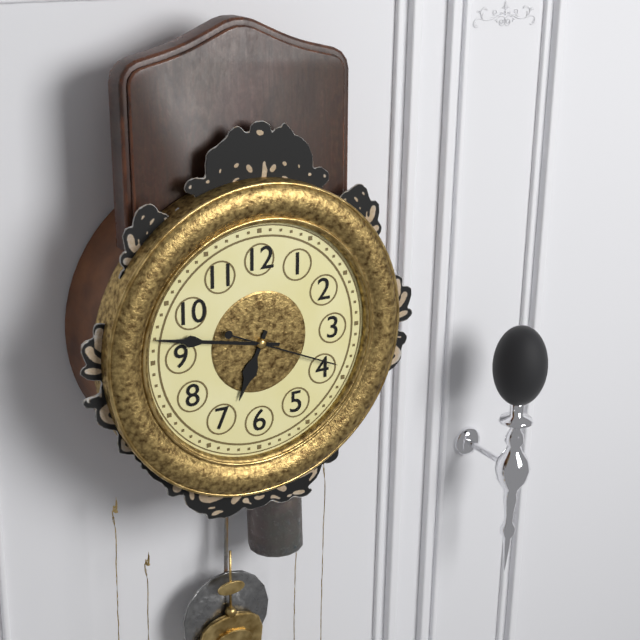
6:47:19
